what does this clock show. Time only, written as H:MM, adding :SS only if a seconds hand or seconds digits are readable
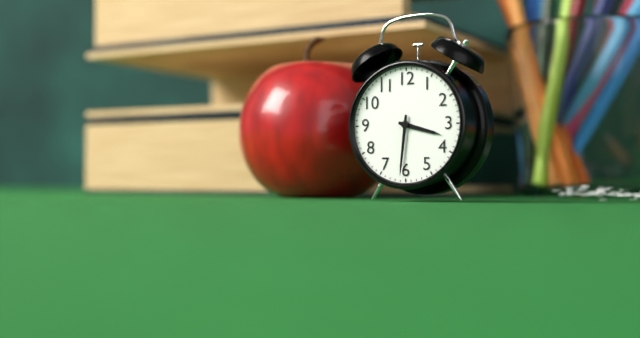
3:31
